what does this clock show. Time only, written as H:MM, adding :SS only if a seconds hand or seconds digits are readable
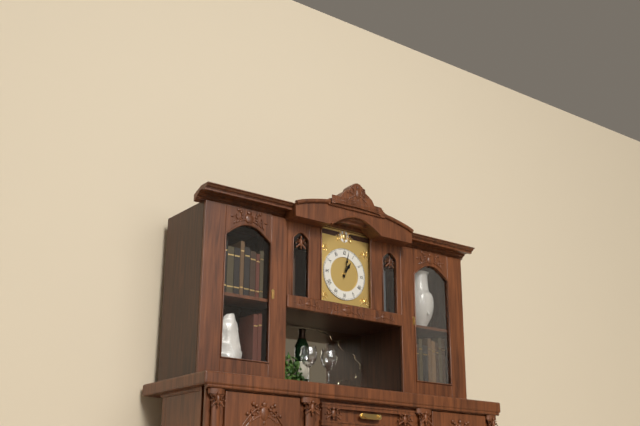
1:02
